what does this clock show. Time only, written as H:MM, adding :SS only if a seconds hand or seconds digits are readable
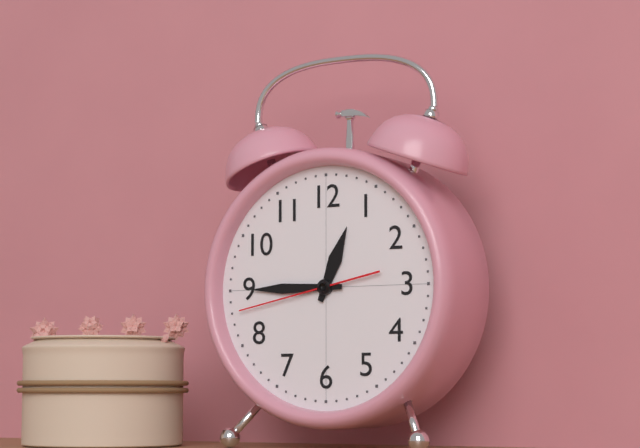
12:45:43
